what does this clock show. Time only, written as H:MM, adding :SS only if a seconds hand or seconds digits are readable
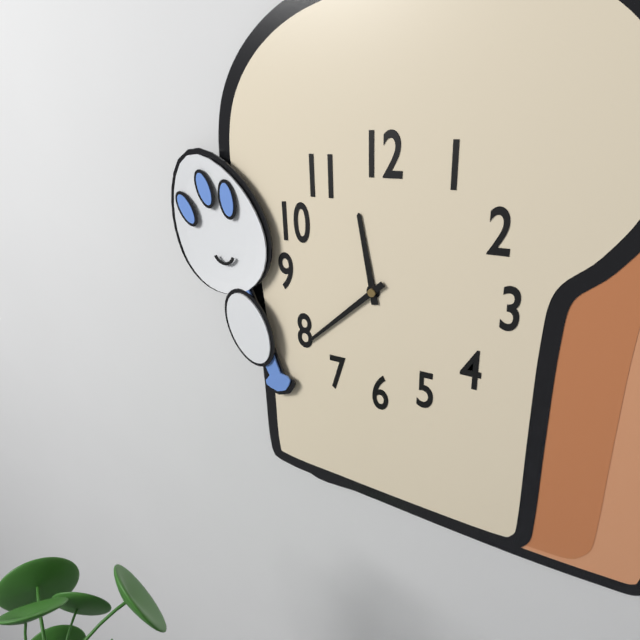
11:38
